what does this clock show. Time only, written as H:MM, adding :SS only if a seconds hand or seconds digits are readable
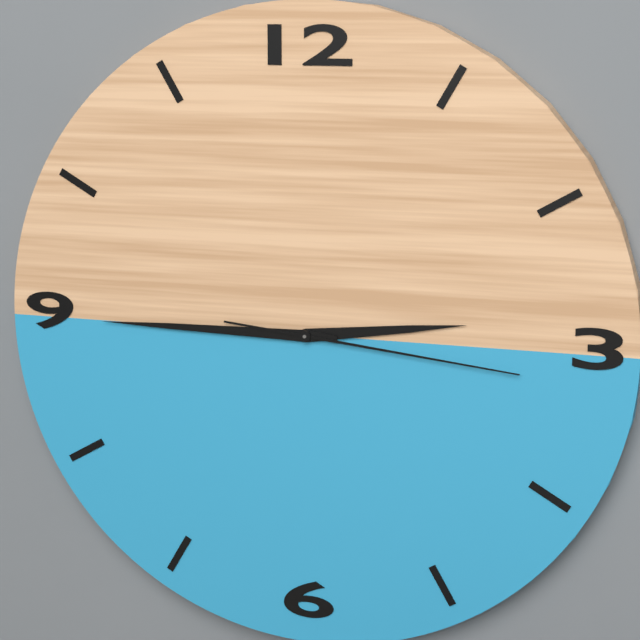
2:45:16
